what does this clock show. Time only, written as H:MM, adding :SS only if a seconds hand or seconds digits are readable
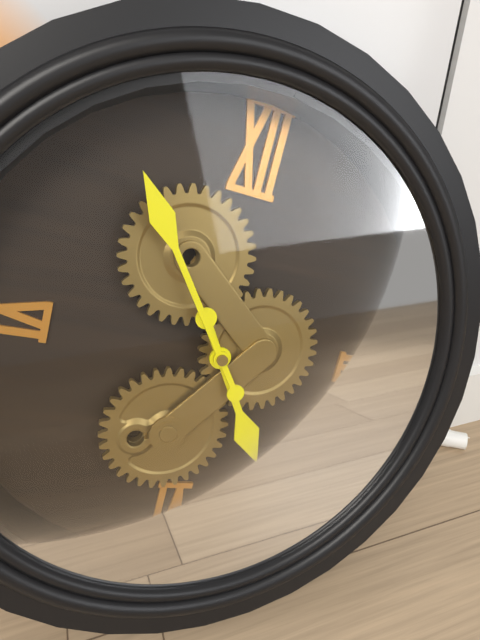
4:54
